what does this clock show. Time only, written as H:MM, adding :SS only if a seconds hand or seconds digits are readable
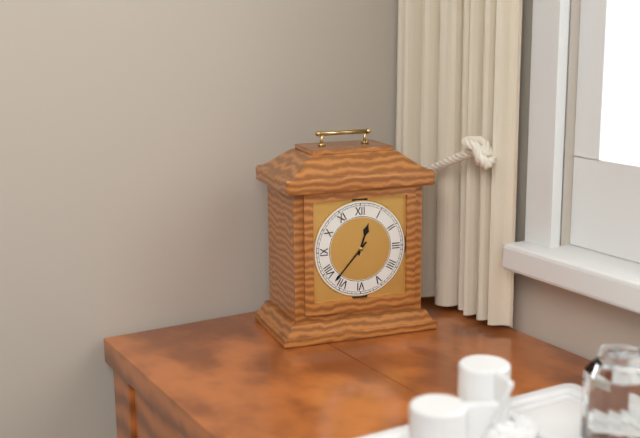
12:37
